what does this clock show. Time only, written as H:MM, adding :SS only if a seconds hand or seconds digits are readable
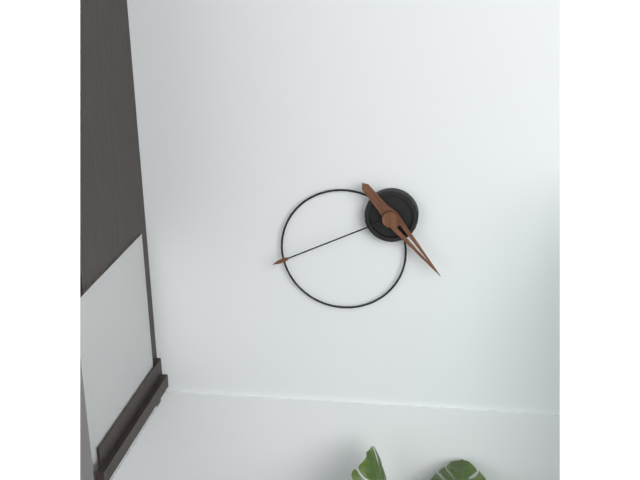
4:41
